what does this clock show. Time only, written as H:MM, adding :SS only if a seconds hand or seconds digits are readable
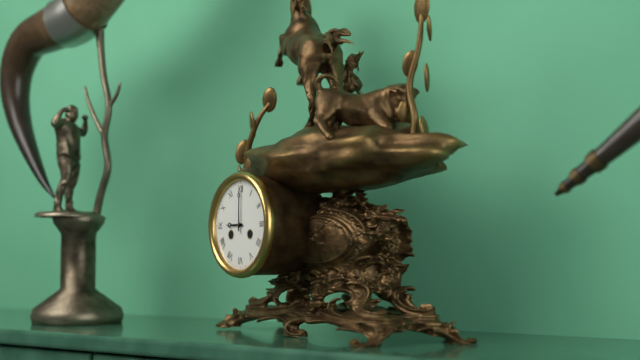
9:00
